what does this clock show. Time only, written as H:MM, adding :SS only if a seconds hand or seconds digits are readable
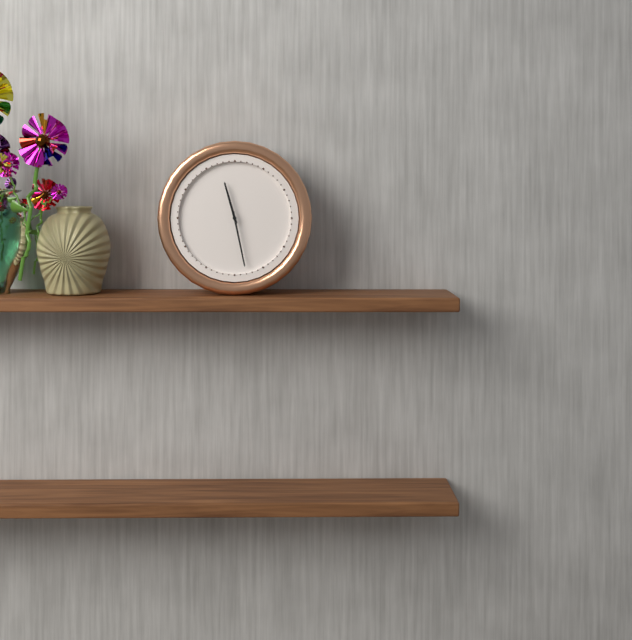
11:28
